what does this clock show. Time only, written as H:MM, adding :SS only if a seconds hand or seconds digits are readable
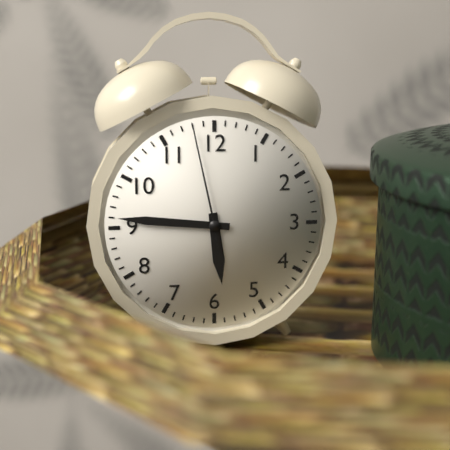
5:46:58
